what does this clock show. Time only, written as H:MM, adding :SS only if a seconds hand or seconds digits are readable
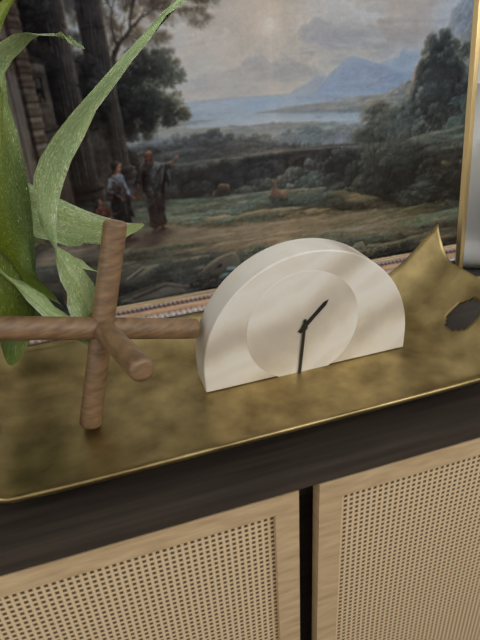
1:31
